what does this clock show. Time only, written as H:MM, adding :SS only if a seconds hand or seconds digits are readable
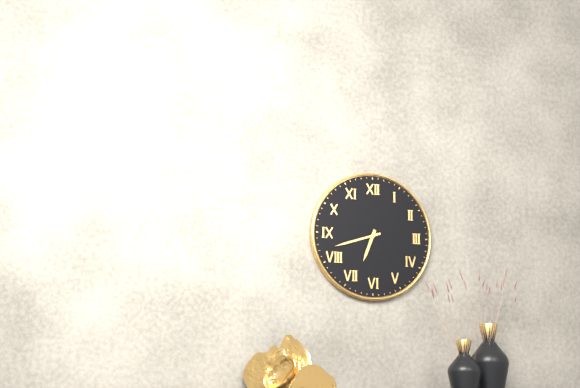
6:42
